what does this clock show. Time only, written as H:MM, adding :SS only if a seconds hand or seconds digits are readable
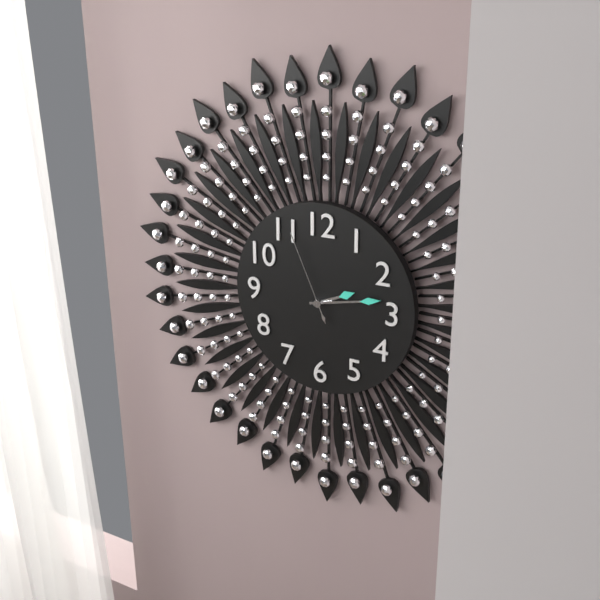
2:13:56
